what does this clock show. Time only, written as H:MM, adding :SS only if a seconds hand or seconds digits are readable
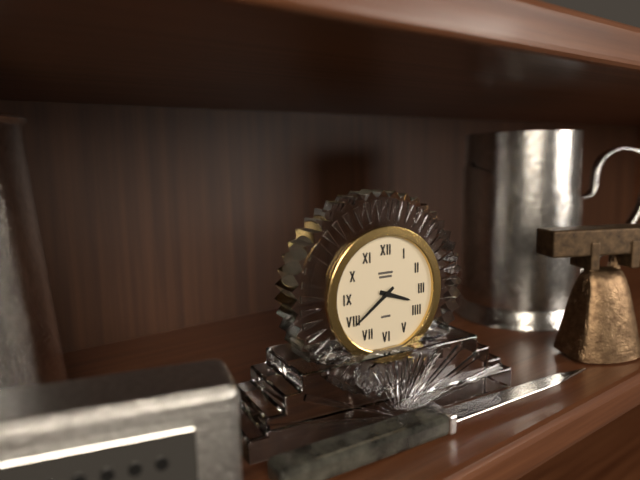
3:39
